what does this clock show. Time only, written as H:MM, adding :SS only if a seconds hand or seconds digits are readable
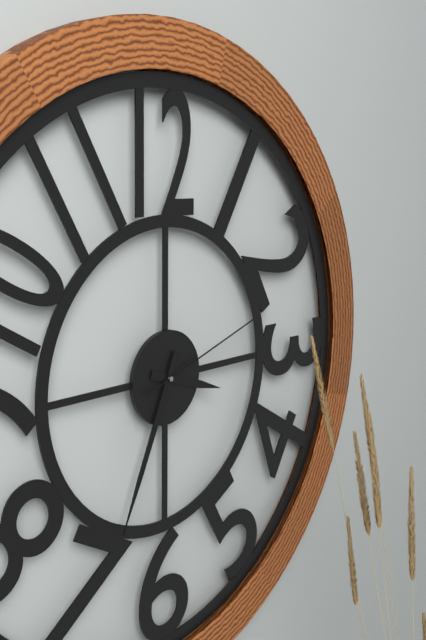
3:34:12
